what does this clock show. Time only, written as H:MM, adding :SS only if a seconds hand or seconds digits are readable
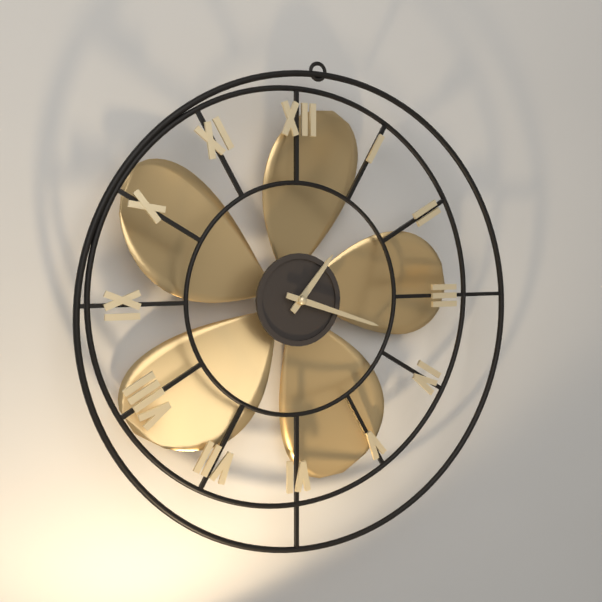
1:18
